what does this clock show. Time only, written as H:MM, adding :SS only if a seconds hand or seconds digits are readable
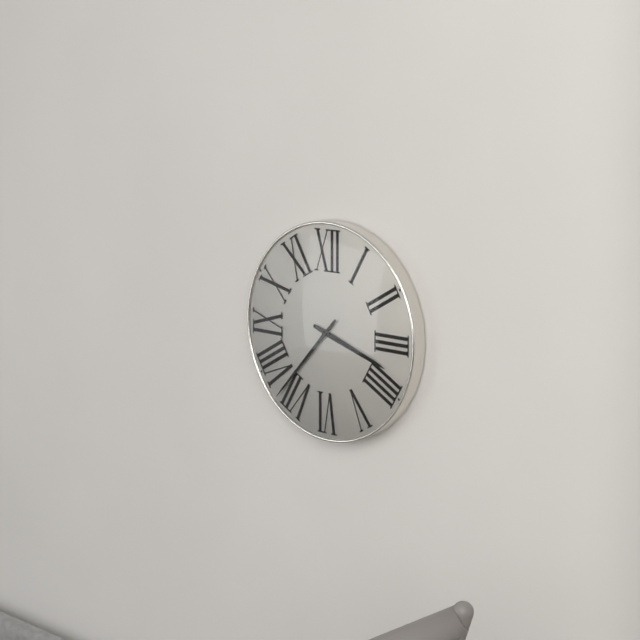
3:37
